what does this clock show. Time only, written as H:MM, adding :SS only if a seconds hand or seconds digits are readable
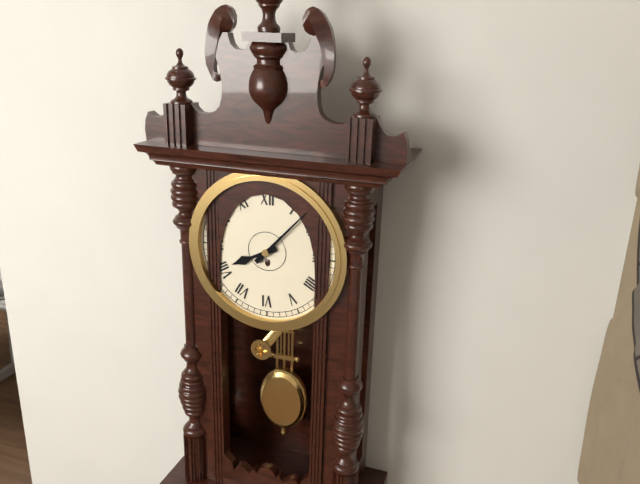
8:07
